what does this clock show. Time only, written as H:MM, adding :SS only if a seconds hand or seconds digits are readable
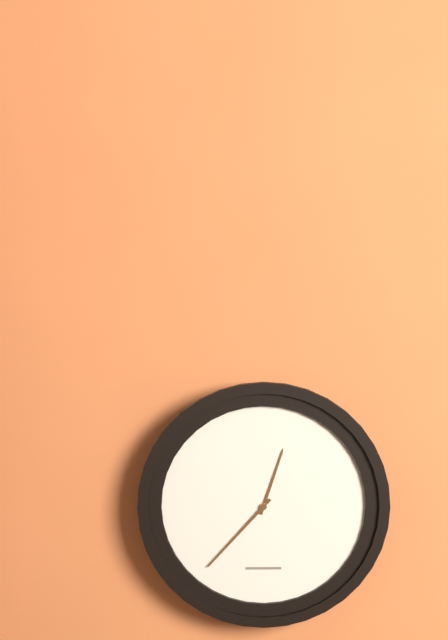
12:37
